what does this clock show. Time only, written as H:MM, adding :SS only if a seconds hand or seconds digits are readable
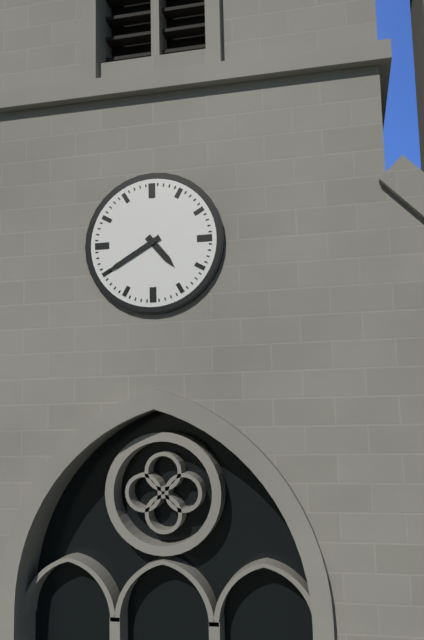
4:40
